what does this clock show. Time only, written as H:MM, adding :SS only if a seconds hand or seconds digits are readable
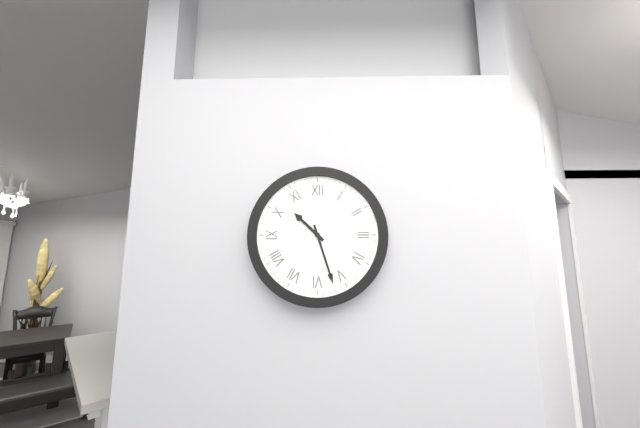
10:27
